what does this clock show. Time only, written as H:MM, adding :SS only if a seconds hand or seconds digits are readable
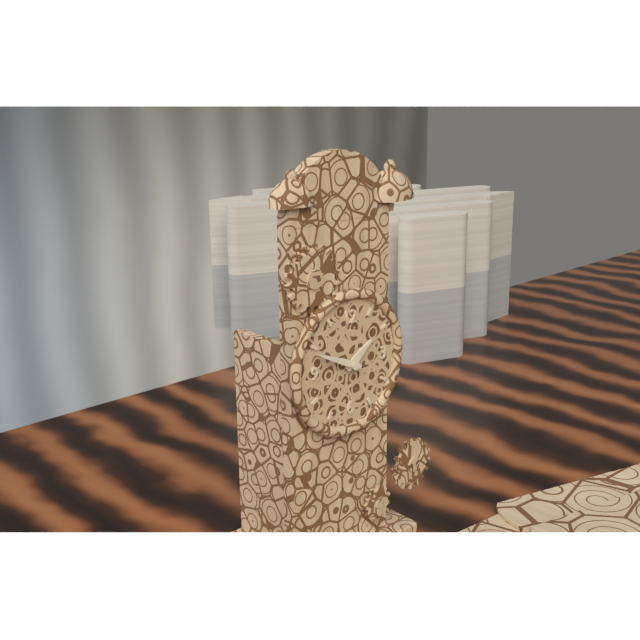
1:49
